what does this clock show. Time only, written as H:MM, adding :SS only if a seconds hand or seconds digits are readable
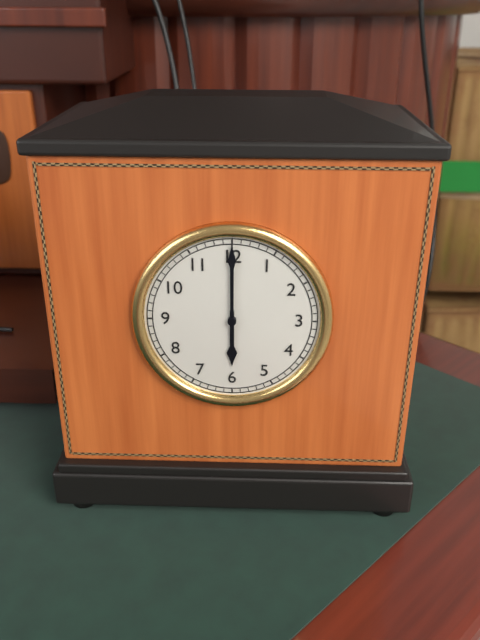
6:00
